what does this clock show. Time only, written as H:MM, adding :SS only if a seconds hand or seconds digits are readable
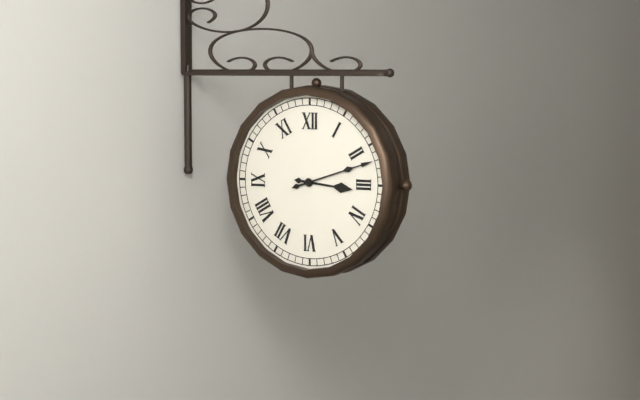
3:12
